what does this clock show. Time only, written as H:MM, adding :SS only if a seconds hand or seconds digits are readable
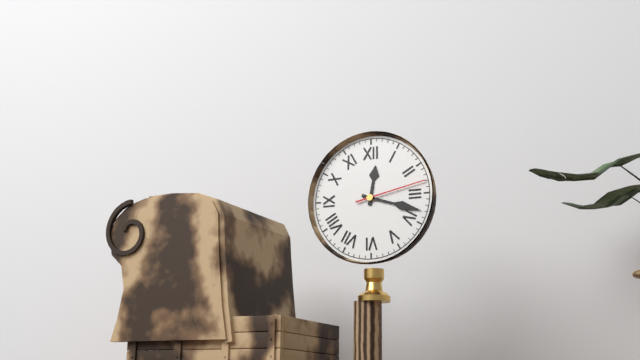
12:18:13
